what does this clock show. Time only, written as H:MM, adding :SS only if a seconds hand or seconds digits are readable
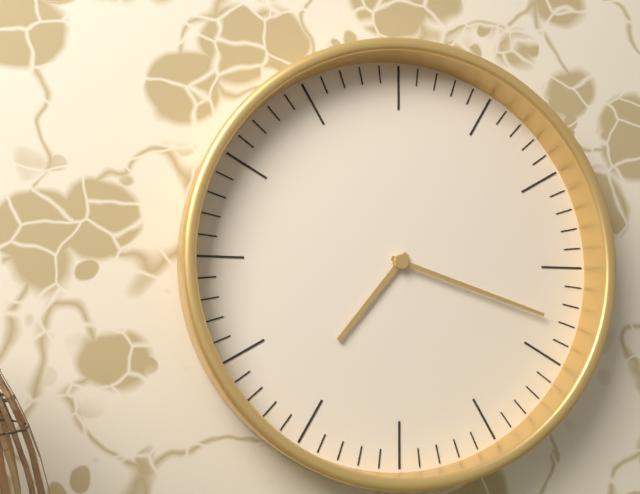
7:18
